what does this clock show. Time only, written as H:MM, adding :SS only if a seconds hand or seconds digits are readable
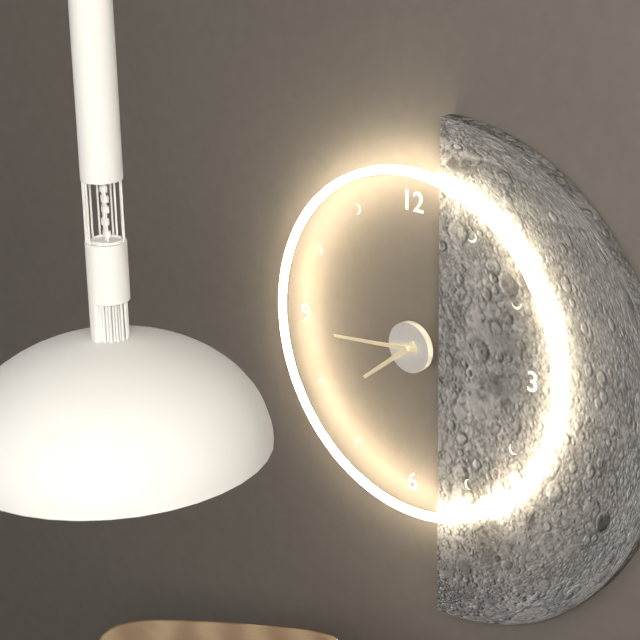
7:44
